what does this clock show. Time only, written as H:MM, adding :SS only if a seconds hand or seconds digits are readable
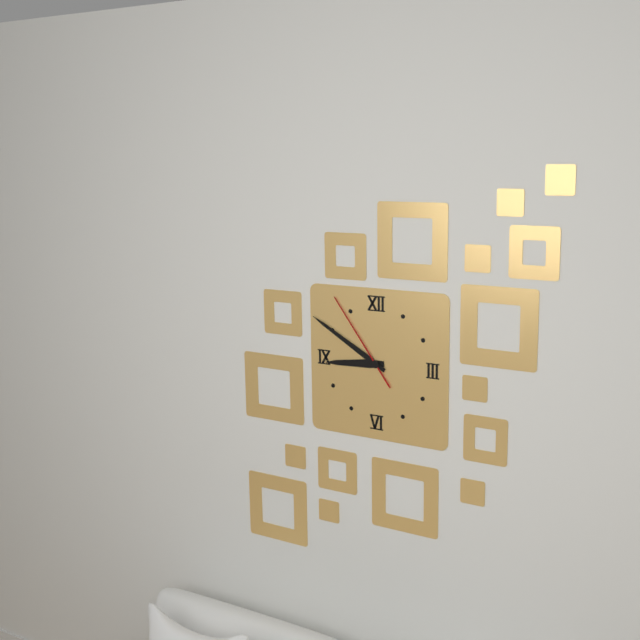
8:50:54
